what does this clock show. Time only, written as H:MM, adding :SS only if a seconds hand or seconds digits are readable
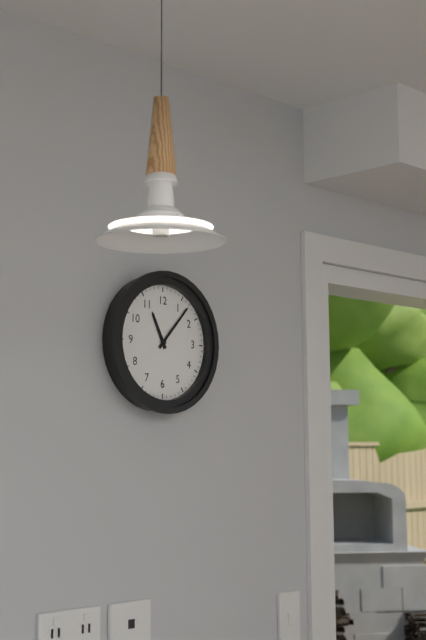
11:07
